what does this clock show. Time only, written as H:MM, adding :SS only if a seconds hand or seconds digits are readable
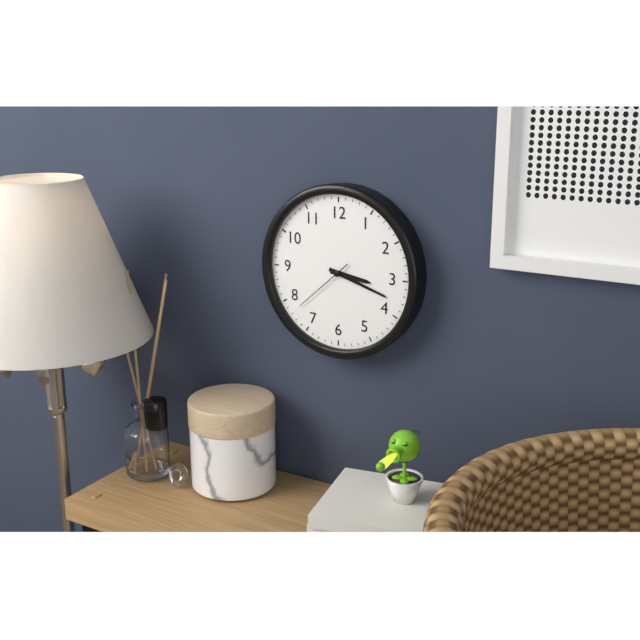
3:18:38
